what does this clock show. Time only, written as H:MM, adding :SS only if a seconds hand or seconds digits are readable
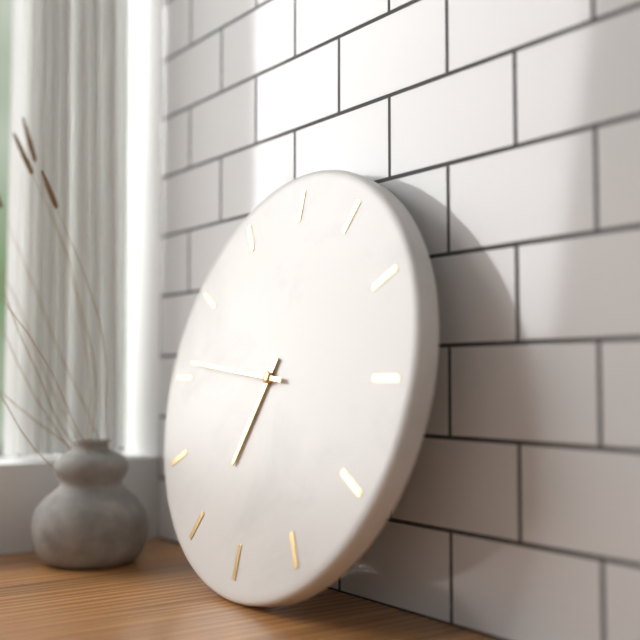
6:46
